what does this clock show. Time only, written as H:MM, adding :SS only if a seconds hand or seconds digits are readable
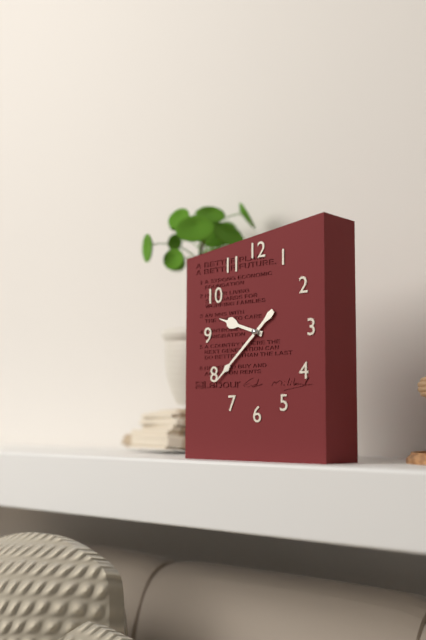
9:38
